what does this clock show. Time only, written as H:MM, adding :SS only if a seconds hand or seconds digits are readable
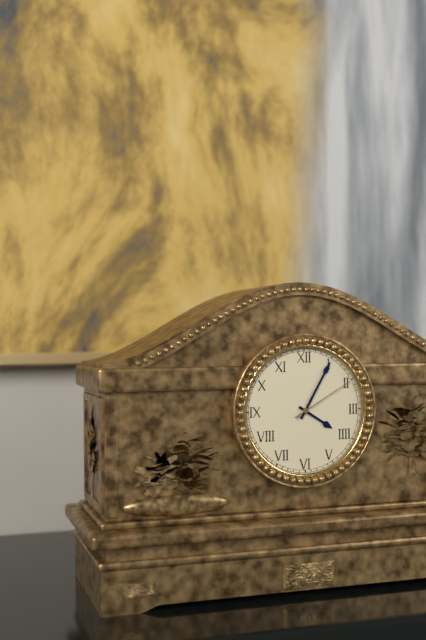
4:05:10
